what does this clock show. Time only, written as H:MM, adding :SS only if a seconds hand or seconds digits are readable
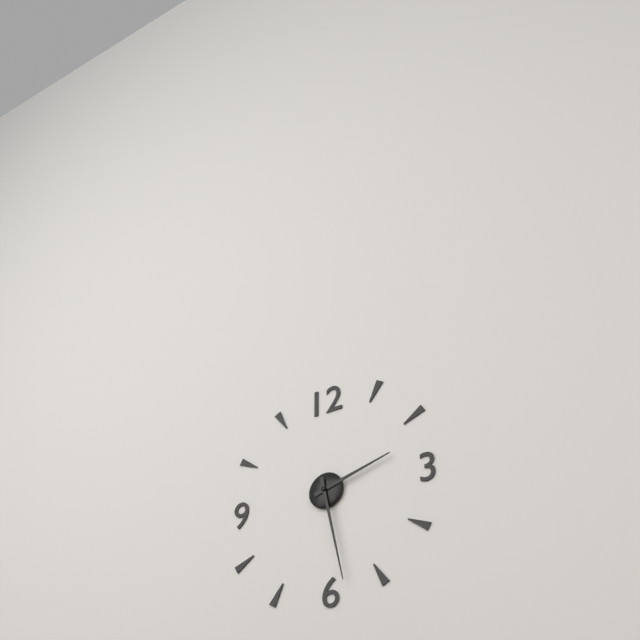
2:28
